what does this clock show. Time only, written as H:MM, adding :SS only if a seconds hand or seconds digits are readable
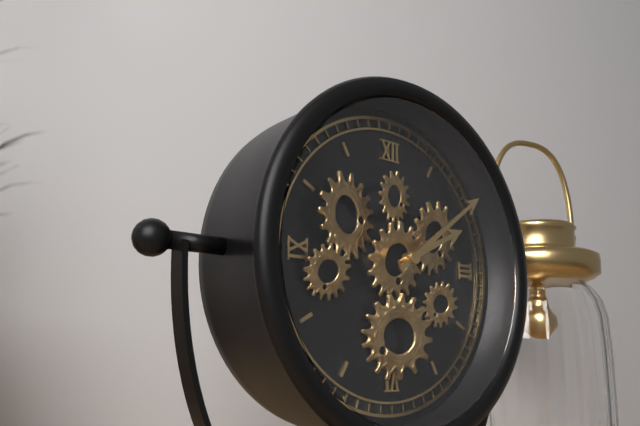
2:09
